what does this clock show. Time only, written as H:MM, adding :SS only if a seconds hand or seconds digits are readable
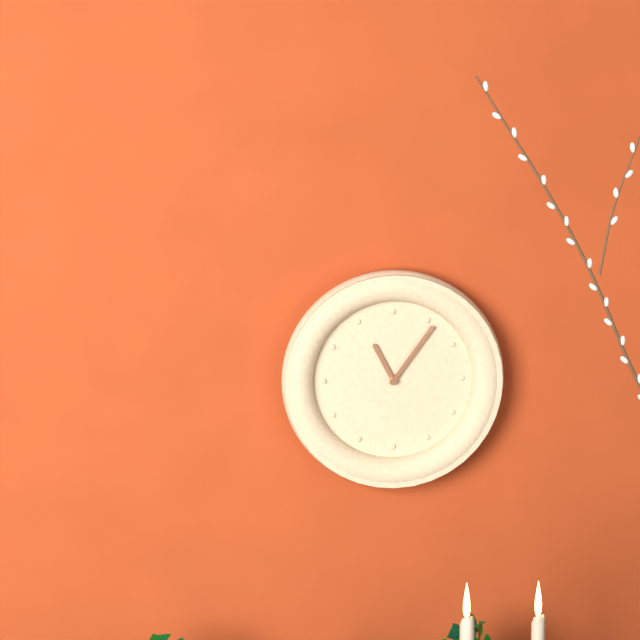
11:06
